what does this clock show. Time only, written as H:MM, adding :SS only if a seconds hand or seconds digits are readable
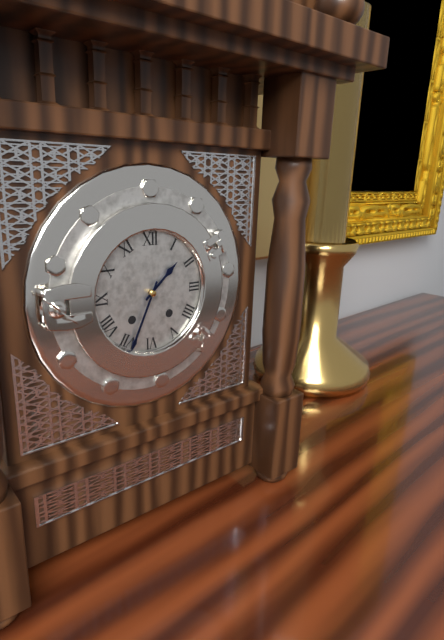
1:34
